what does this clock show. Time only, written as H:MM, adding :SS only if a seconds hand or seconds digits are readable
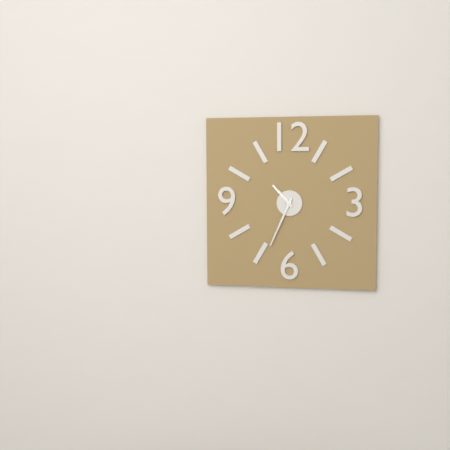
10:34
